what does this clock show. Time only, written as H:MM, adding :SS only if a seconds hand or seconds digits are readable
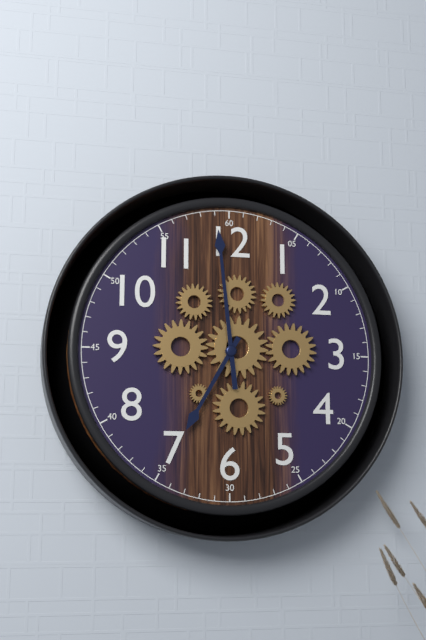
6:59
